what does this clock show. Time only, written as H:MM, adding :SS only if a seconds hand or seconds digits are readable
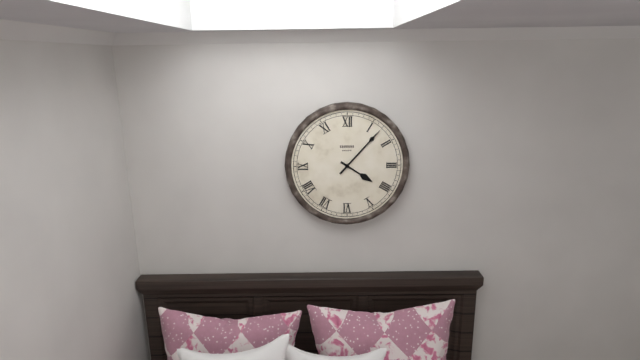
4:07
